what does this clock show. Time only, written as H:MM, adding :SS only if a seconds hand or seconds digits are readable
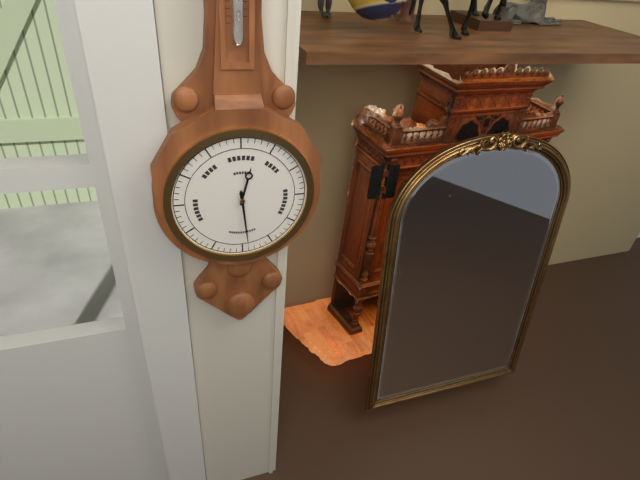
12:29
